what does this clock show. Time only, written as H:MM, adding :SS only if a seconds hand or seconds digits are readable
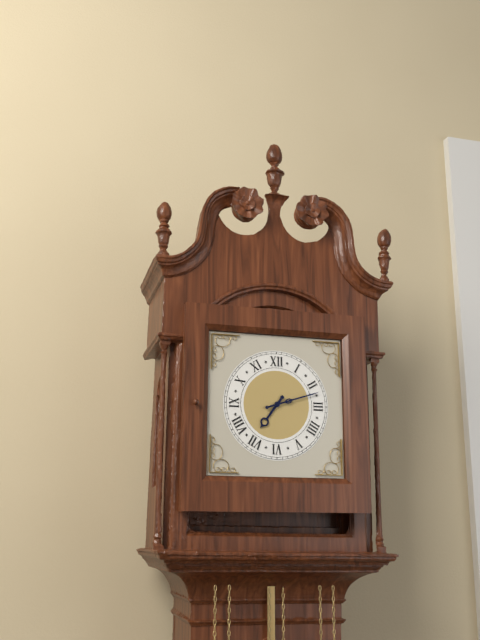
7:12
